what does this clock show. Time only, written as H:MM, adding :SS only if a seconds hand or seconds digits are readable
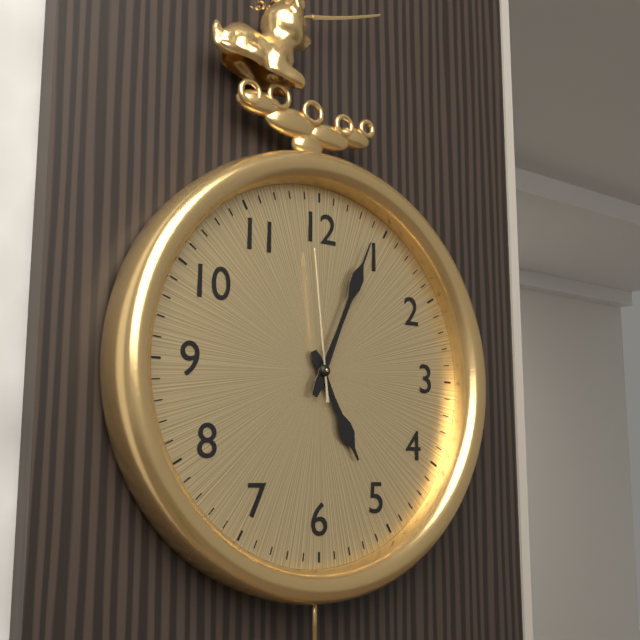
5:04:59
